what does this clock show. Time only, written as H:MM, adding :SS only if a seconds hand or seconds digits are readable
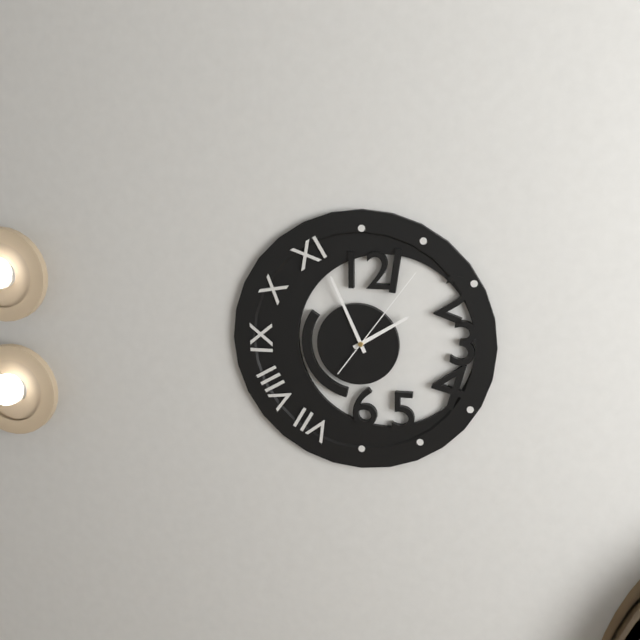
1:56:06
